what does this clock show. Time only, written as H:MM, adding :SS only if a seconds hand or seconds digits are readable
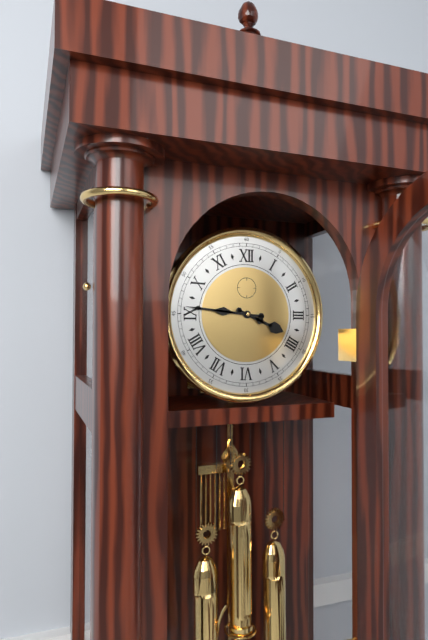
3:46
